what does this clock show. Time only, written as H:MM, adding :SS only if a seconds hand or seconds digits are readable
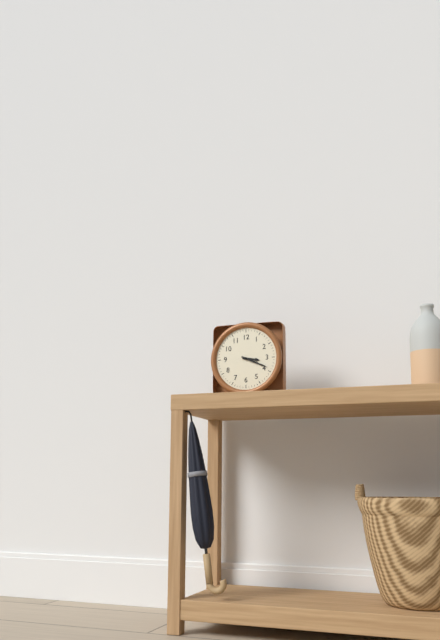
3:19
